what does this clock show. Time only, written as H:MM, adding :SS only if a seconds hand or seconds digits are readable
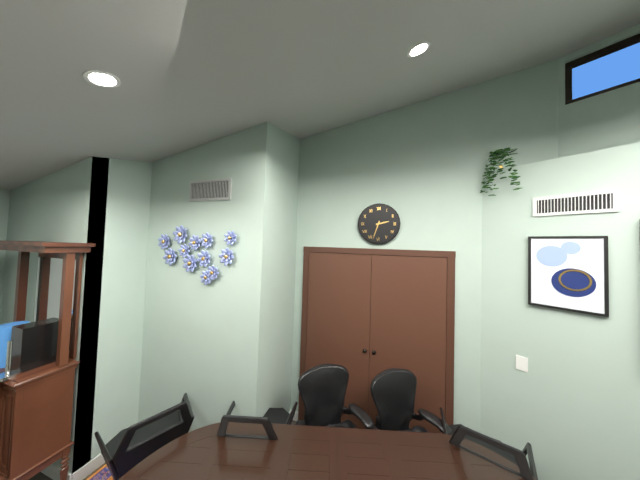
2:33
